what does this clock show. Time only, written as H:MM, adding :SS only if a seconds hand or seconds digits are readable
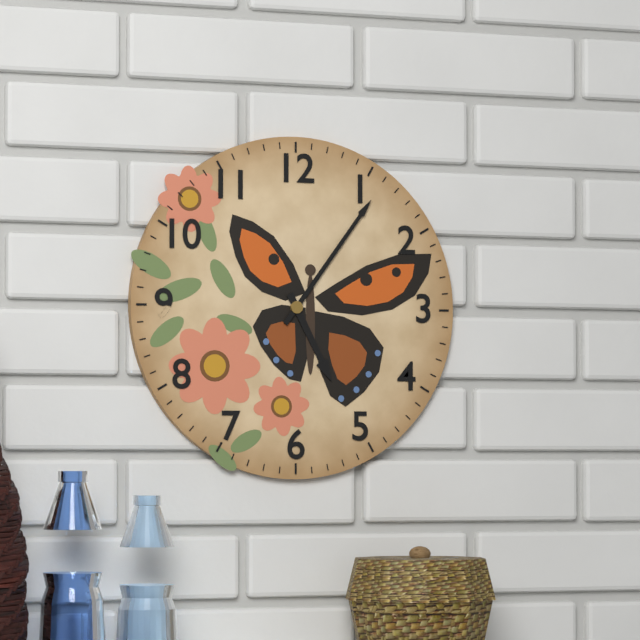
5:06
